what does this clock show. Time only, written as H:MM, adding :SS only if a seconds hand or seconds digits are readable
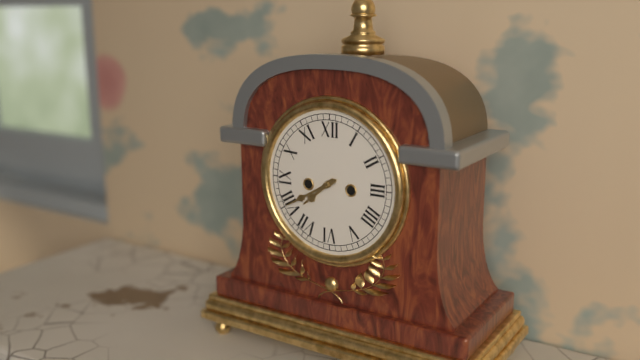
7:40
